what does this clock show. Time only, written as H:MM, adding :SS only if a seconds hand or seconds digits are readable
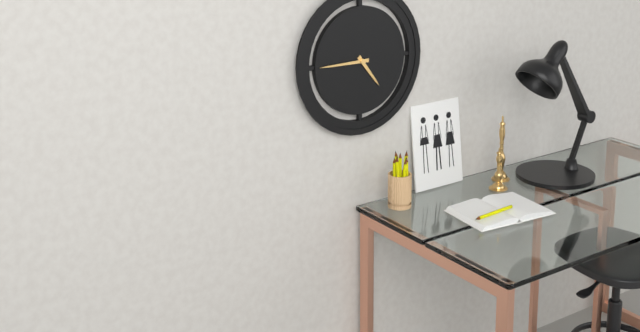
4:45
